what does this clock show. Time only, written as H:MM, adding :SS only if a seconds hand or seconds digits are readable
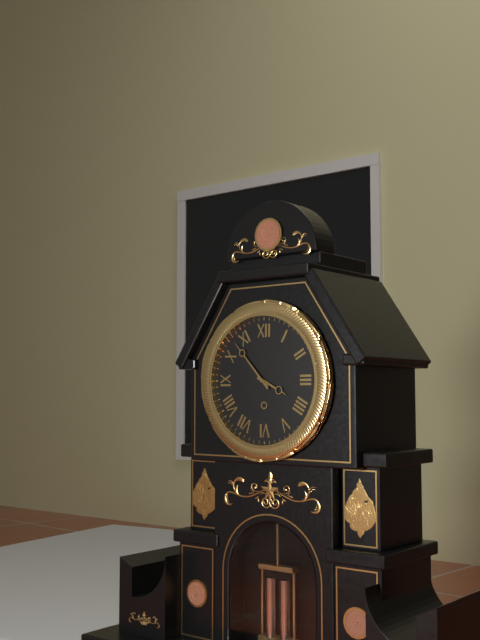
3:53
